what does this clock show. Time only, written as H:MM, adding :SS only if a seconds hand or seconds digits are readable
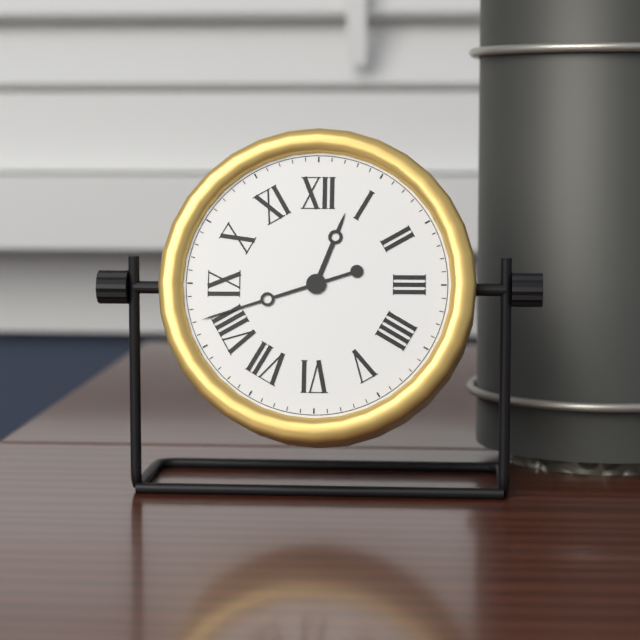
12:42
